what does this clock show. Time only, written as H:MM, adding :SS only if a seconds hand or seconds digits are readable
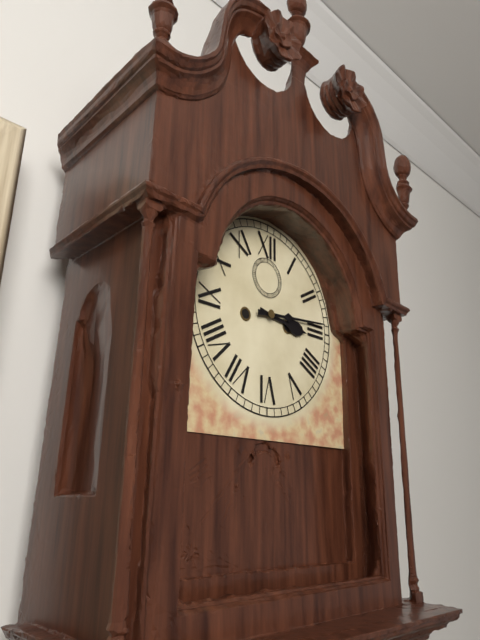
3:14
